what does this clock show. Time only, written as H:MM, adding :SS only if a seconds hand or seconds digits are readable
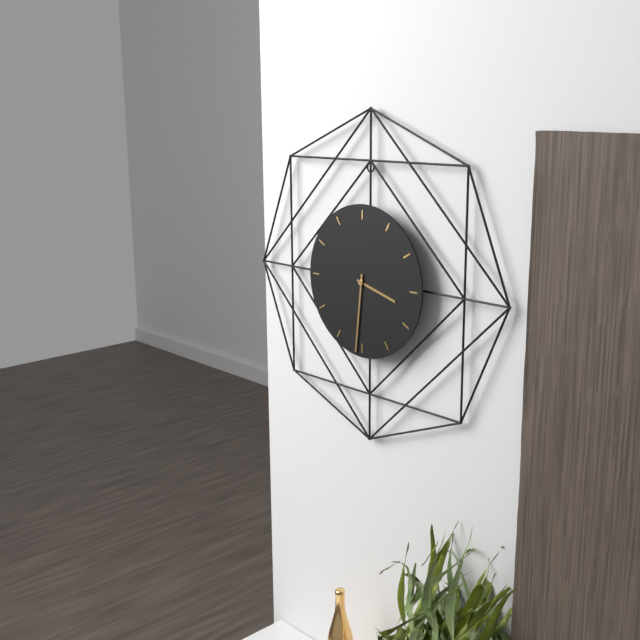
3:31
